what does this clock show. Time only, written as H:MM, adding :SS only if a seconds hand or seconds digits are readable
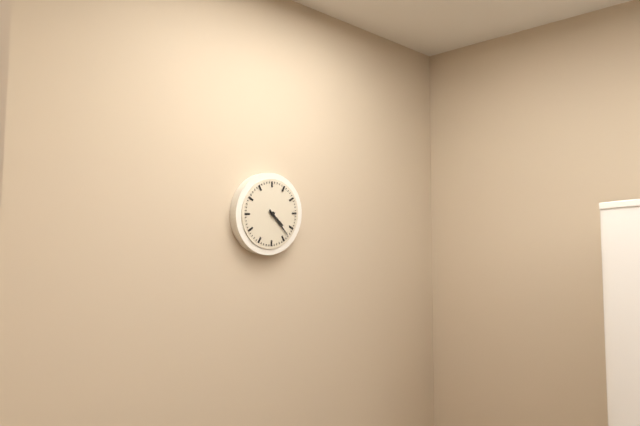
4:23
